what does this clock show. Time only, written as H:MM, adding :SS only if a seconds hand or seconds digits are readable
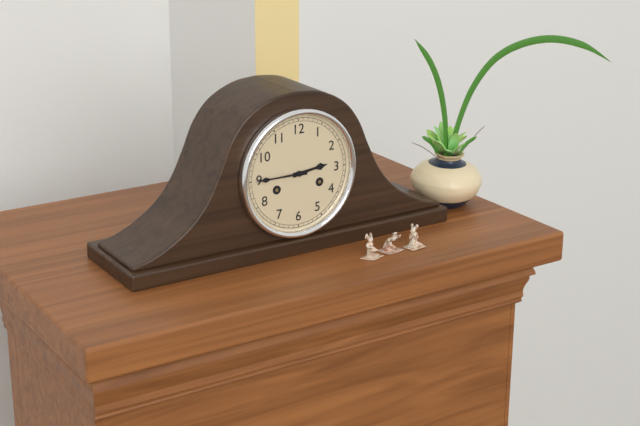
2:45
